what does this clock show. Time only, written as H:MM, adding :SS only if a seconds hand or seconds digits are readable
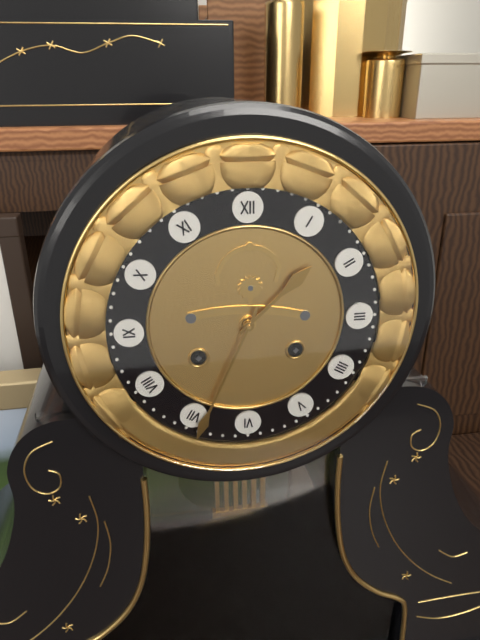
1:34
